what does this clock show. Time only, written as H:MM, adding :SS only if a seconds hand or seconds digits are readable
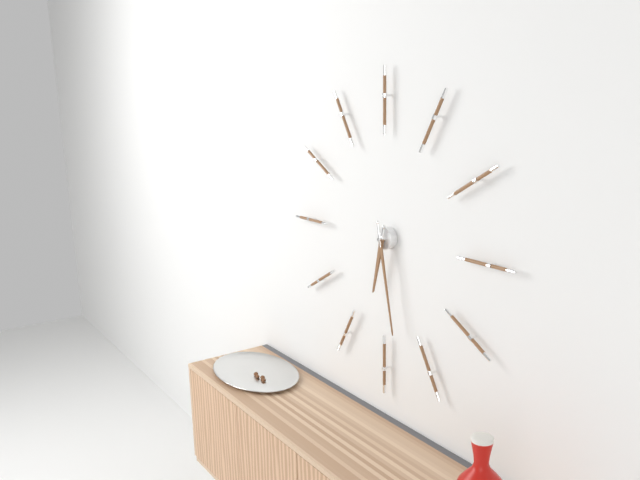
6:28
